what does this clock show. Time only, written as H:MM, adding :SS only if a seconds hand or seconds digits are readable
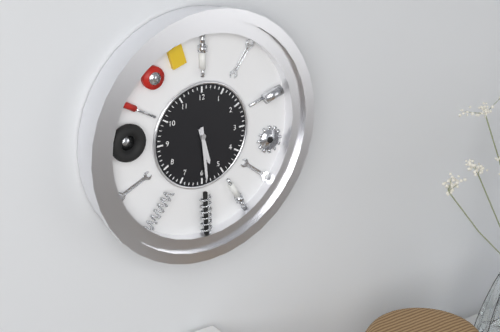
5:29
